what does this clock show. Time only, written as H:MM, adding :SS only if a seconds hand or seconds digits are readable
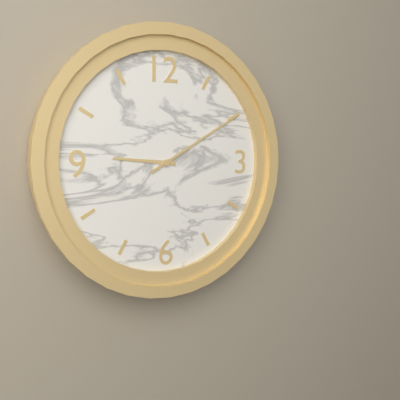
9:10
